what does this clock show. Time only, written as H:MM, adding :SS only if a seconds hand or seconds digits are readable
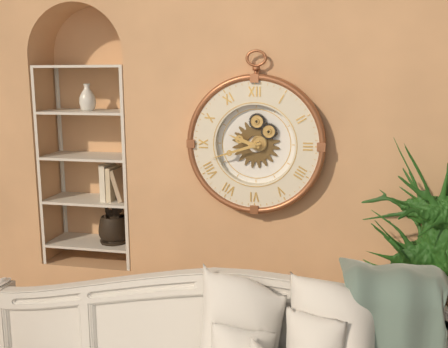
9:42
